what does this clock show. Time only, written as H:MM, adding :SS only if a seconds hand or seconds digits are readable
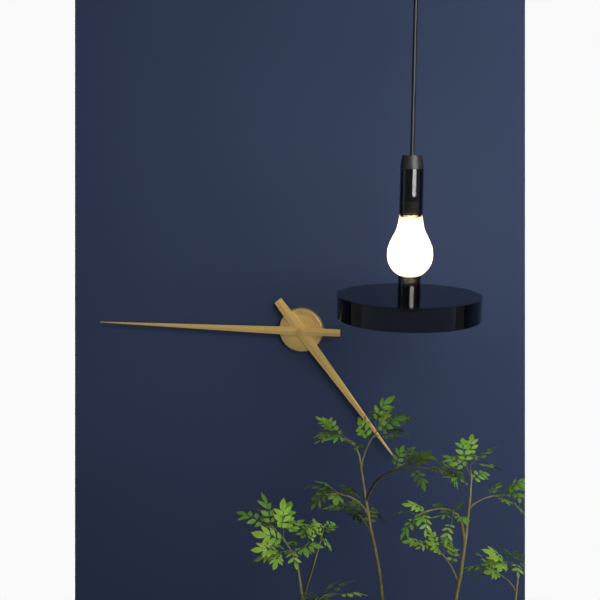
4:45
